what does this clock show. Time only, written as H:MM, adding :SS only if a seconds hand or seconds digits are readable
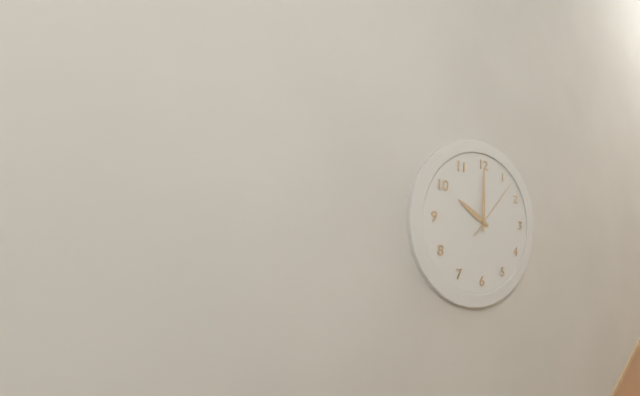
10:00:07
